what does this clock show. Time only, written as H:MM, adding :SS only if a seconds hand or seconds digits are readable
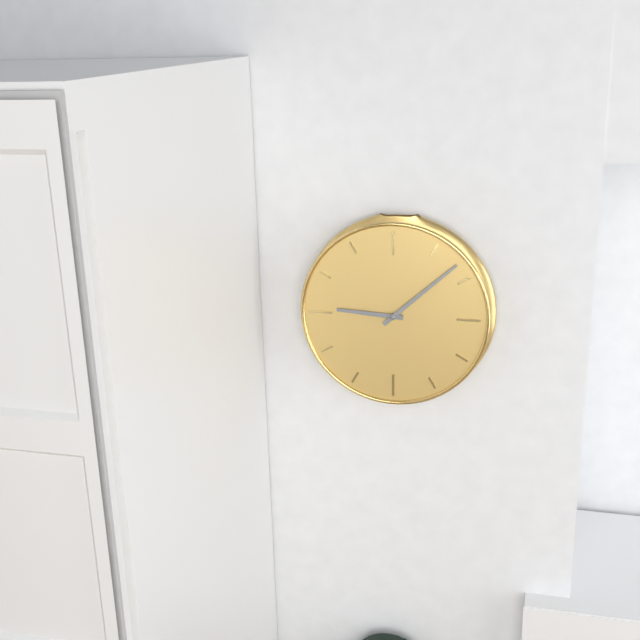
9:08
